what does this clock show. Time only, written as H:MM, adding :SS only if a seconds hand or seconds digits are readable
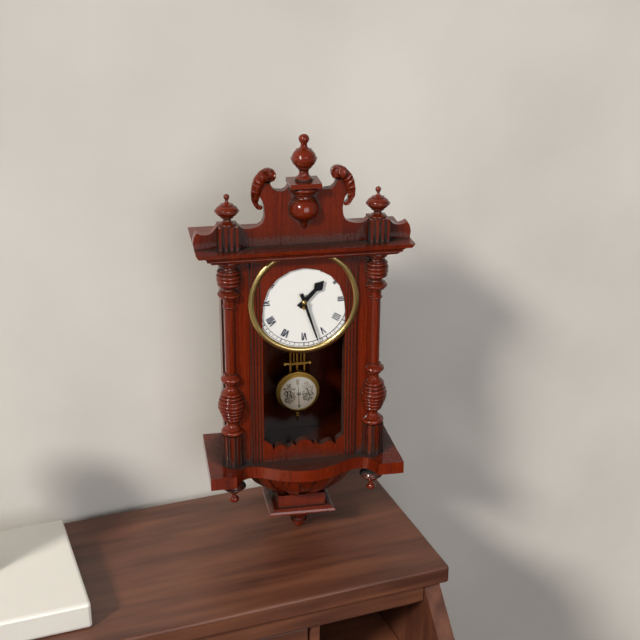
1:27
